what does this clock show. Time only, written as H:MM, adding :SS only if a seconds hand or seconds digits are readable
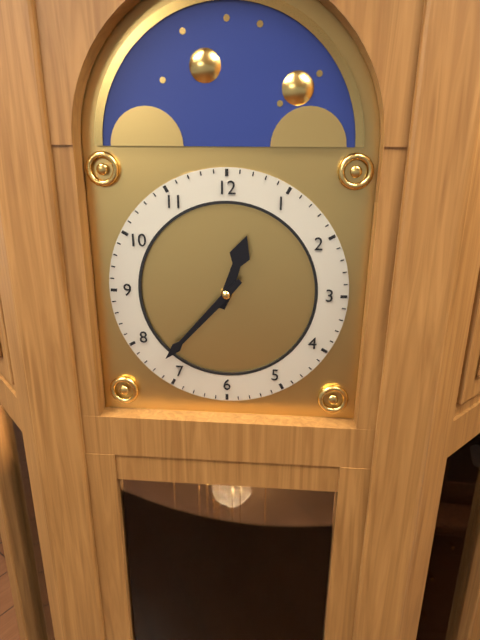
12:37
